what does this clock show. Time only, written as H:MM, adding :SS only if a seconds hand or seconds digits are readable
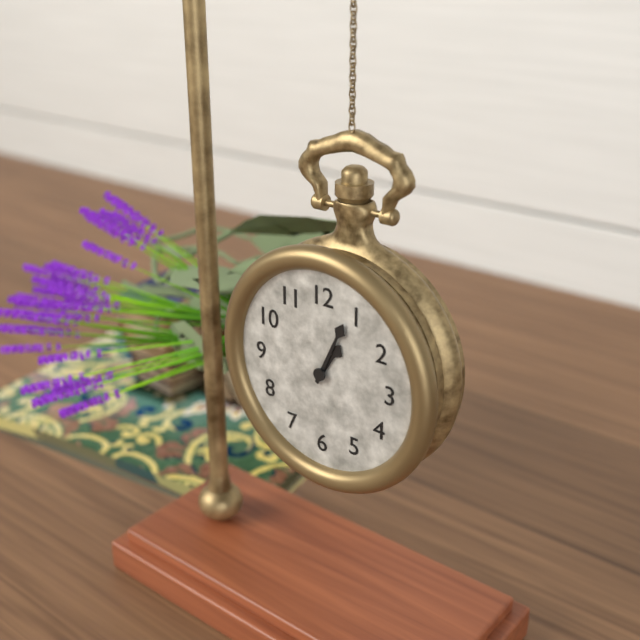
1:04
